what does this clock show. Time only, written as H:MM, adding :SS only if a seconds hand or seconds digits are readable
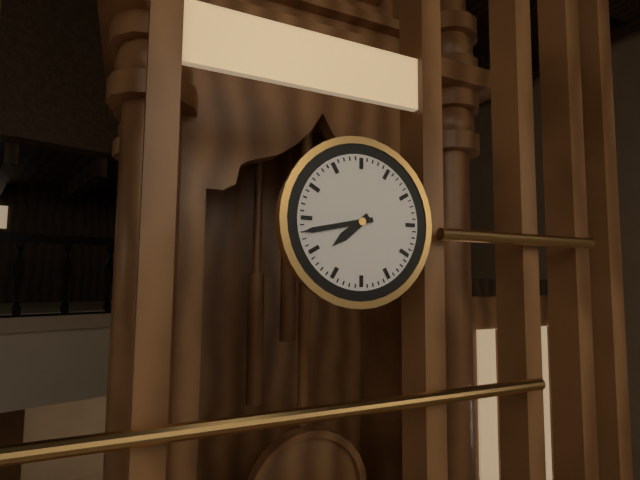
7:43
